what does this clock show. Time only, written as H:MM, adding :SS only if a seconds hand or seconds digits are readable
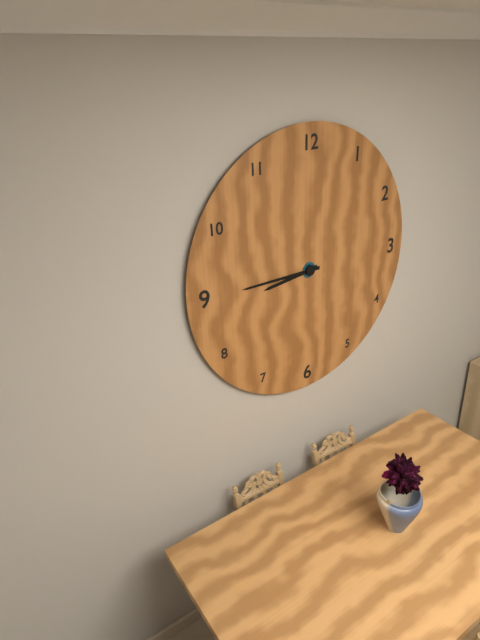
8:45
